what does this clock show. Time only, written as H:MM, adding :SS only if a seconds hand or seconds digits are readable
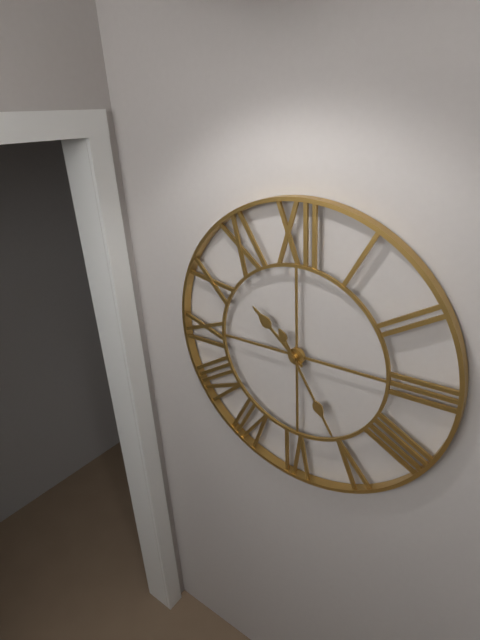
10:25
